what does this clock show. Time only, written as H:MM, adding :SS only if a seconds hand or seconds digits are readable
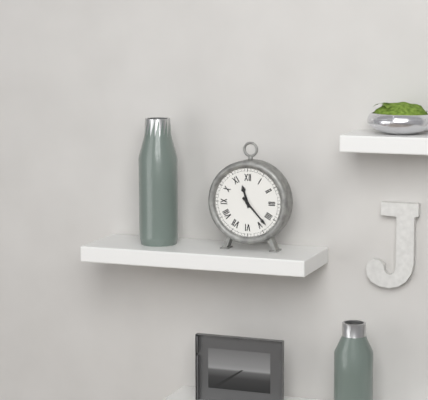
11:23
